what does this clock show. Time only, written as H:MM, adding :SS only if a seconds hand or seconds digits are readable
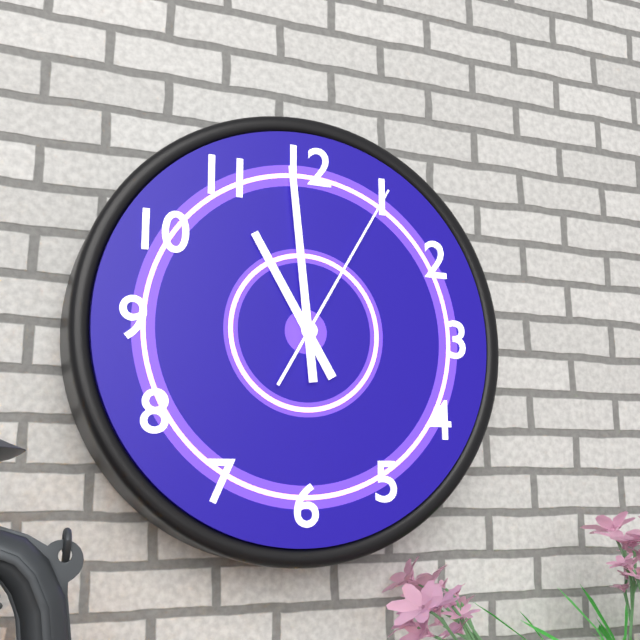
10:59:05
